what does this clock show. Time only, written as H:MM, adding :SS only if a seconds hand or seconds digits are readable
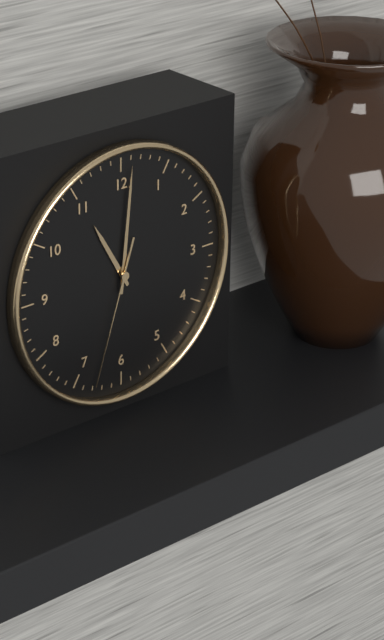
11:01:33
